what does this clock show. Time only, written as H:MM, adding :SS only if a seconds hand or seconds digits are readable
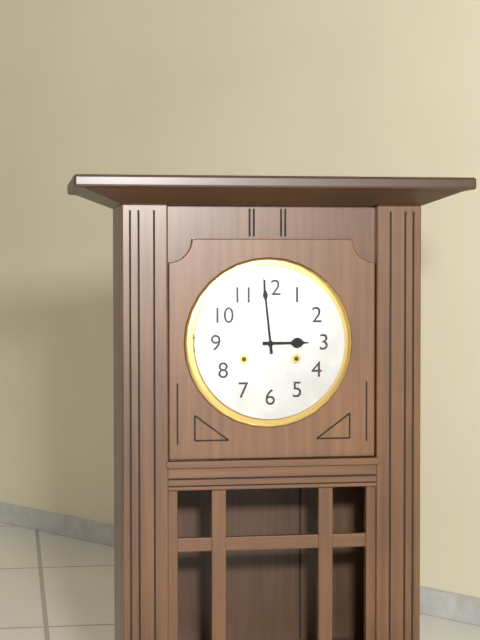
2:59
